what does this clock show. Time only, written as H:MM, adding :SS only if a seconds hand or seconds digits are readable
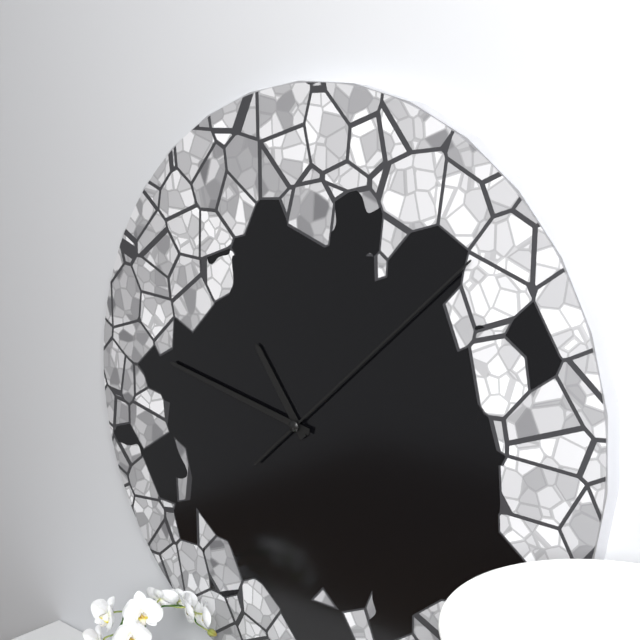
10:47:08
